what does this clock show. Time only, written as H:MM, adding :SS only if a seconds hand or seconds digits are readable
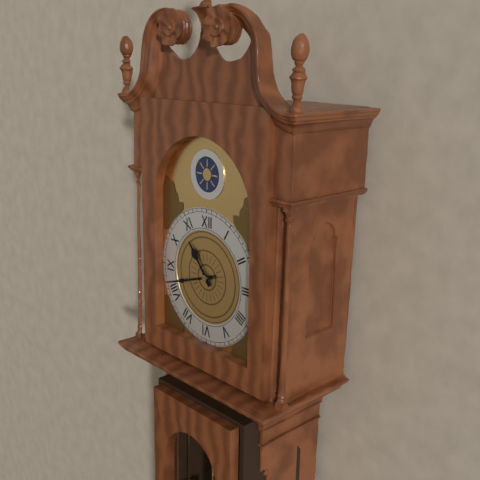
10:42
